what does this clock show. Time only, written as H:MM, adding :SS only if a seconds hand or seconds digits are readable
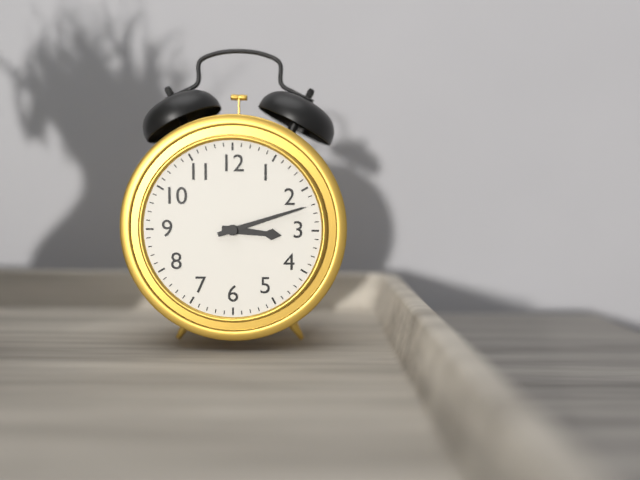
3:12
